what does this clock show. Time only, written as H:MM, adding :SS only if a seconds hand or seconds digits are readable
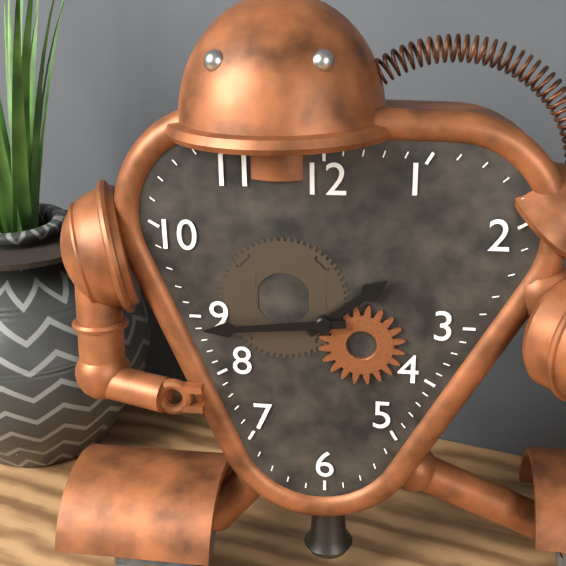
1:44
